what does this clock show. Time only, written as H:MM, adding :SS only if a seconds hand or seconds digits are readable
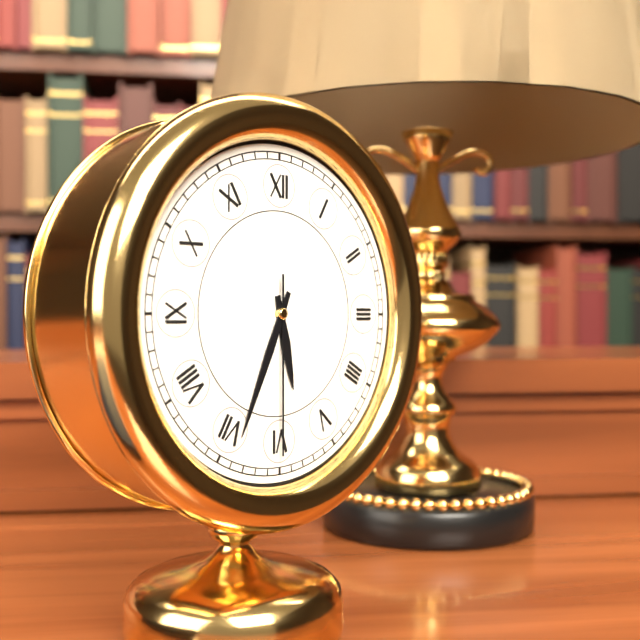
5:34:30
